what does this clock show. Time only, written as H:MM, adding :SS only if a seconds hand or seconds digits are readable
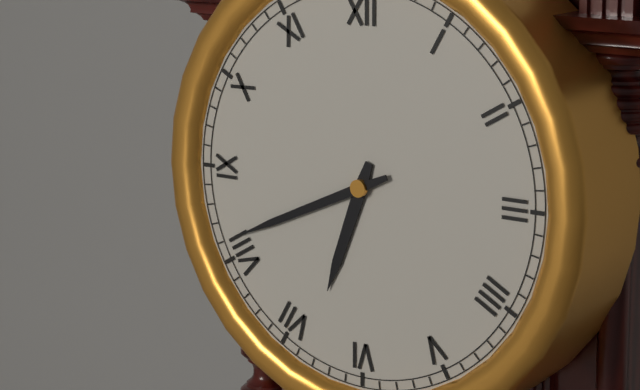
6:41
